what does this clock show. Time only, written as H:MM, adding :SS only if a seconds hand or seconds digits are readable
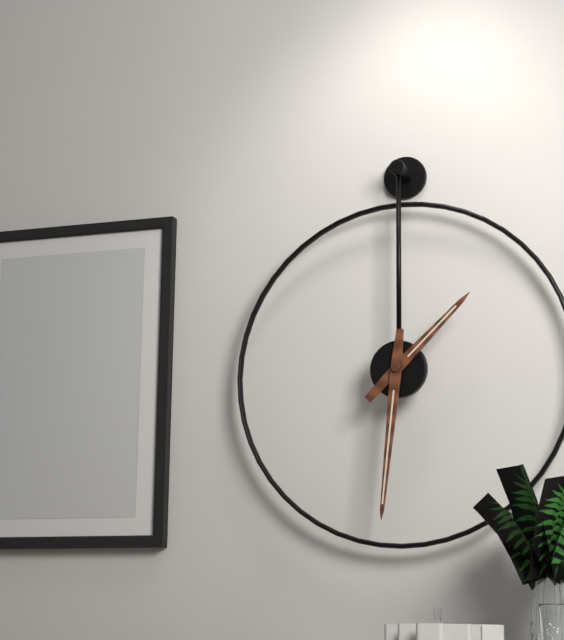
1:31
